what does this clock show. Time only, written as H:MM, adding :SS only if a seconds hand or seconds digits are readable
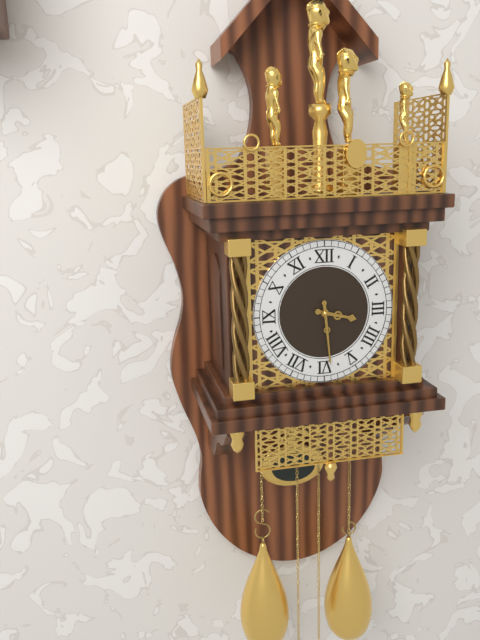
3:29
